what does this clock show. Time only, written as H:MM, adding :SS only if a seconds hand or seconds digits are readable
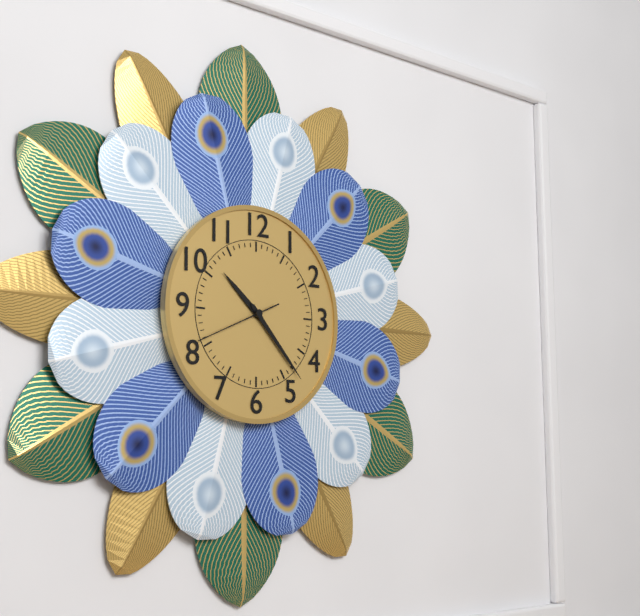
10:23:41
